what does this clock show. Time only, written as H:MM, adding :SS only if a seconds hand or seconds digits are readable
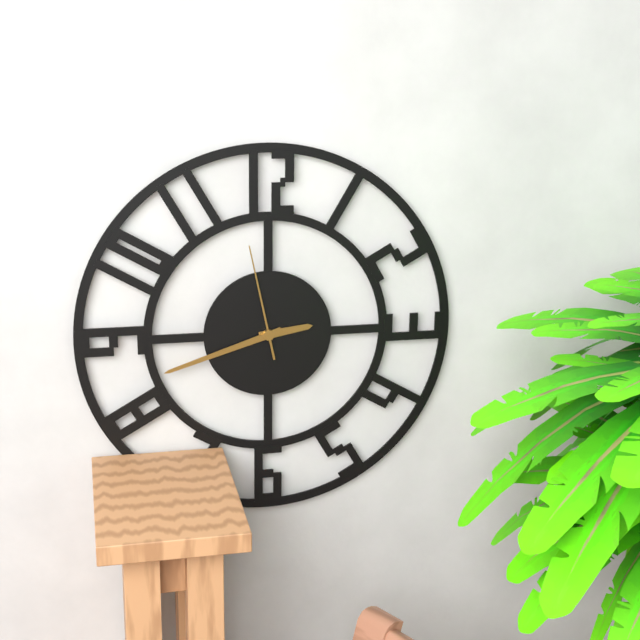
2:42:58
